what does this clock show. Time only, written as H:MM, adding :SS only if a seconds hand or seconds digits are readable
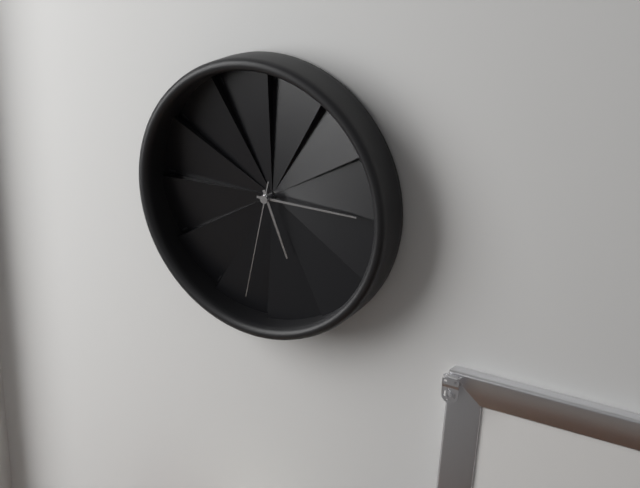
5:15:32
